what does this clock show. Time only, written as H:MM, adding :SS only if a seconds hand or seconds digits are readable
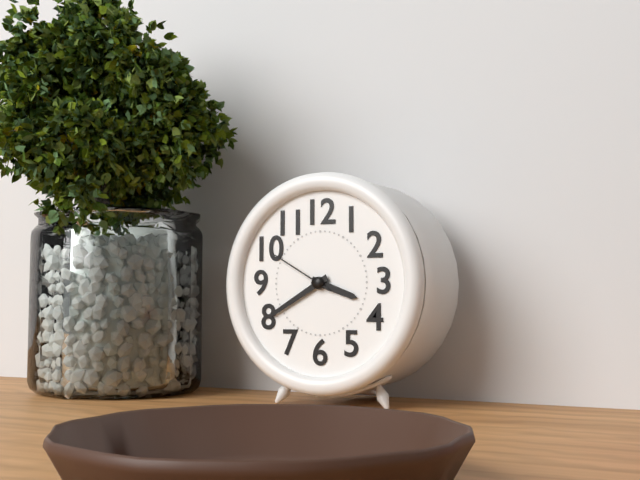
3:40:50
